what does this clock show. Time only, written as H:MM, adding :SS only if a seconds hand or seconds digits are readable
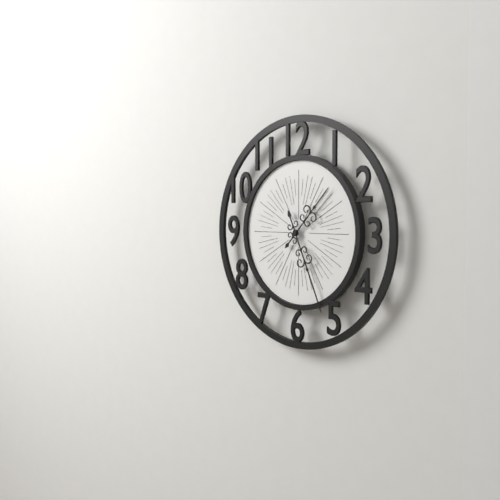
1:26
